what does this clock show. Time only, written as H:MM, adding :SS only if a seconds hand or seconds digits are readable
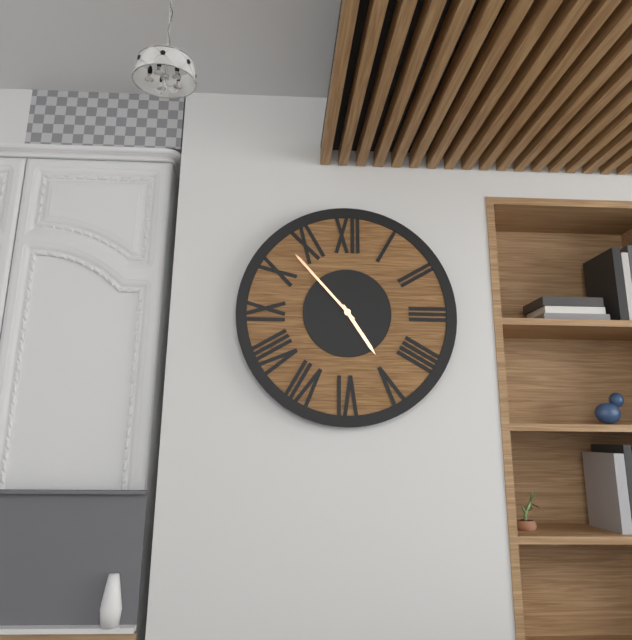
4:53
